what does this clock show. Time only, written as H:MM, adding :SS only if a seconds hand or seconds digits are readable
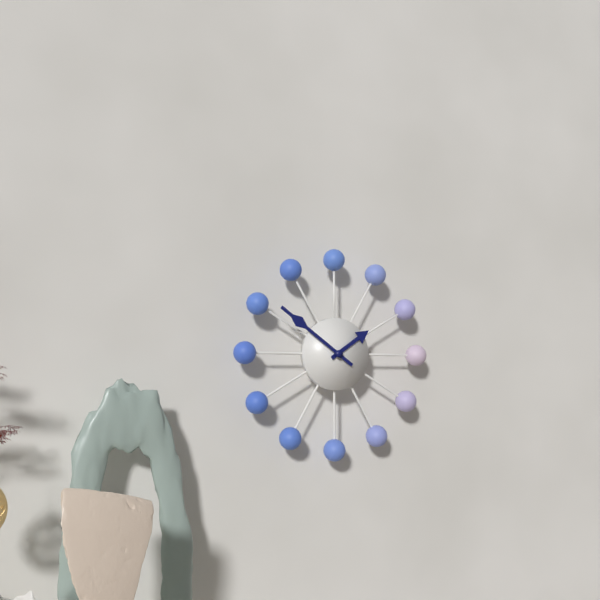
1:51
